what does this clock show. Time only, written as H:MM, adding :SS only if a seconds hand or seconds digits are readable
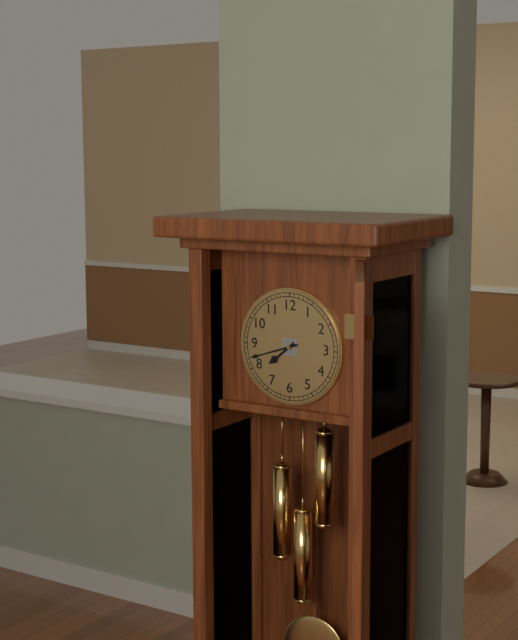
7:42
